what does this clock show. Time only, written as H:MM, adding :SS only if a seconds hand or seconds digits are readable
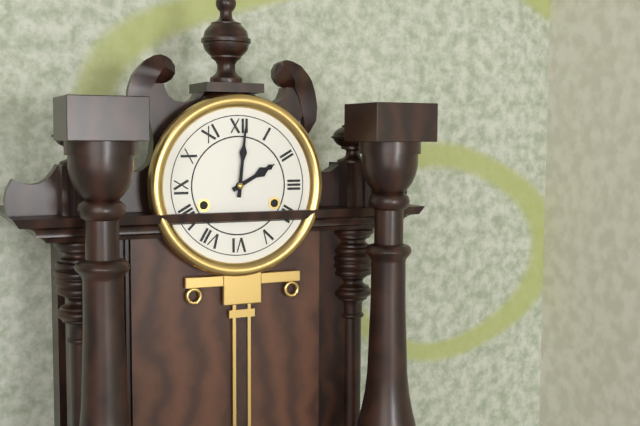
2:01
